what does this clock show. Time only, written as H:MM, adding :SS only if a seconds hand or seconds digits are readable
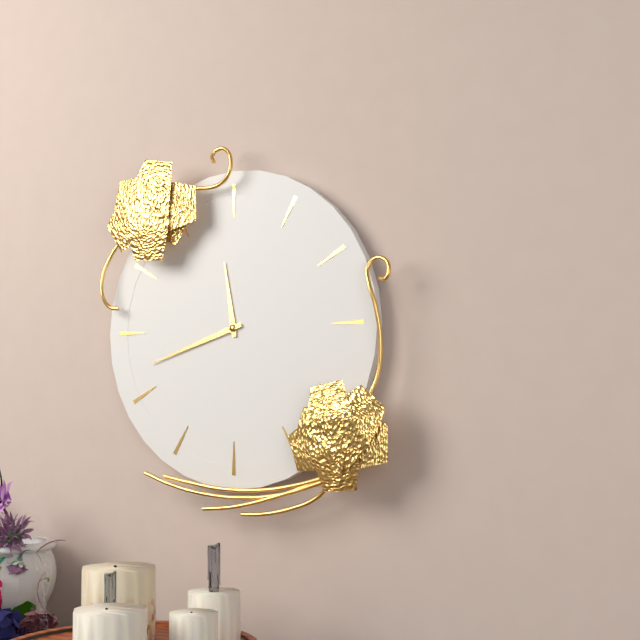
11:42
